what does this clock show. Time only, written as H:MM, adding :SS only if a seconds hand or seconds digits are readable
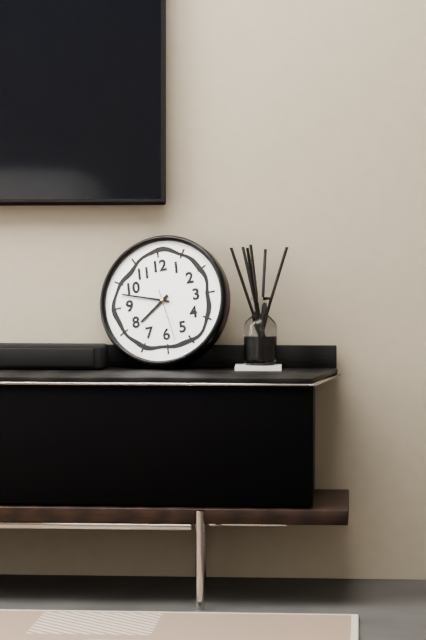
7:48:28
